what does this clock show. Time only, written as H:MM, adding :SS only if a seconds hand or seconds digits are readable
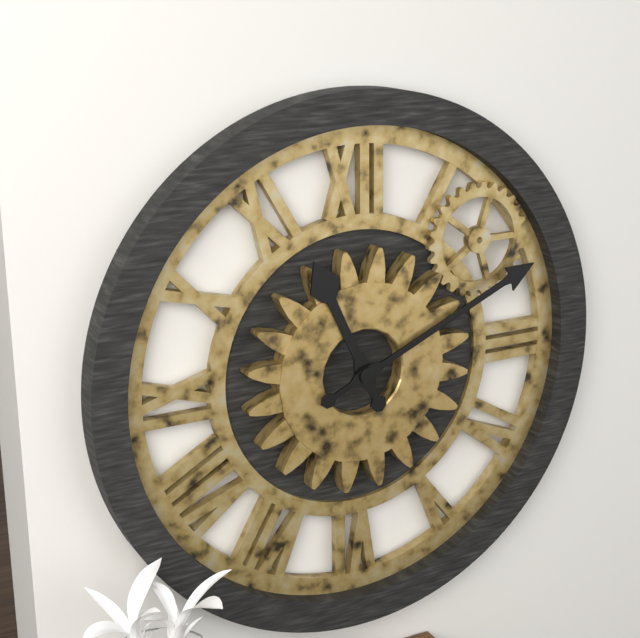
11:11
